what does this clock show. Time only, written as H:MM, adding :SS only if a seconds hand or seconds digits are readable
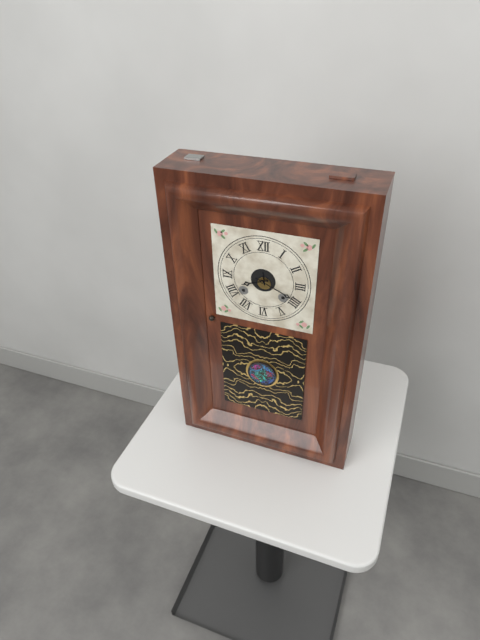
8:19
